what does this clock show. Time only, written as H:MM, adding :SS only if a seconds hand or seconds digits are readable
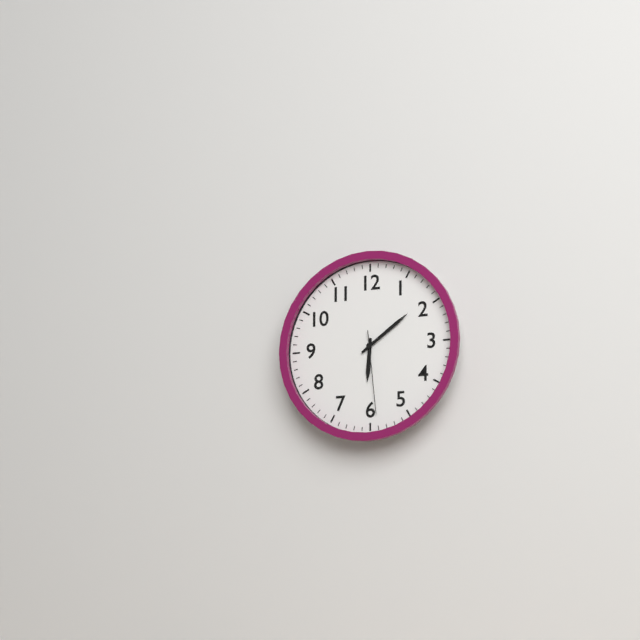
6:09:29
